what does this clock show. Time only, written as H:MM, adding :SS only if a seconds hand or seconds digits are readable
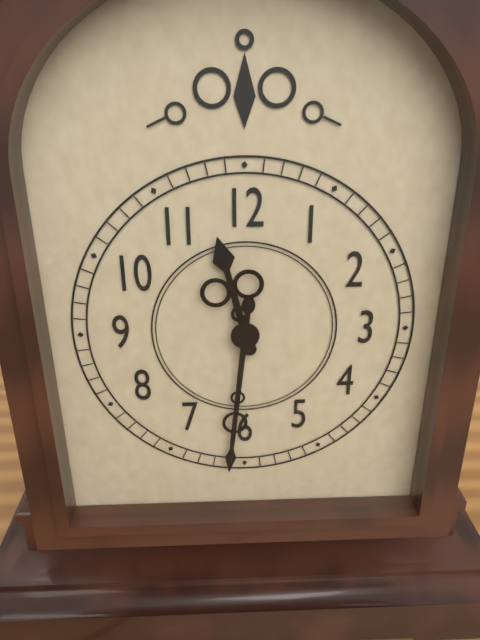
11:31
